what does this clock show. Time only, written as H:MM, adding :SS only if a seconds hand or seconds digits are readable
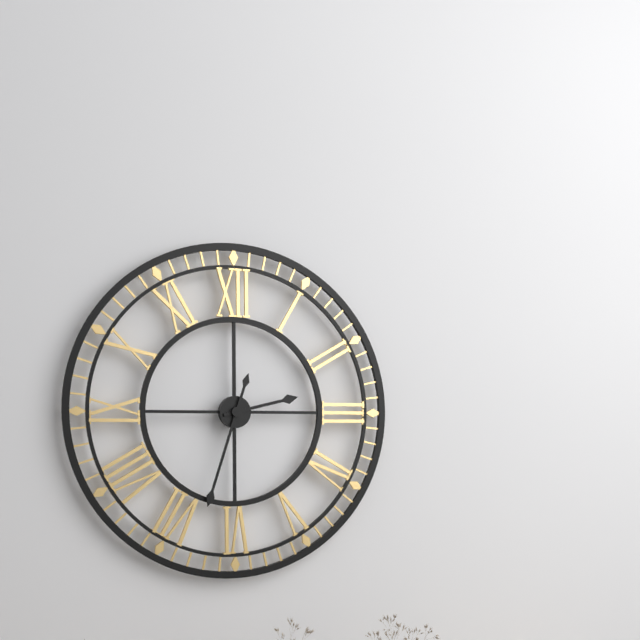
2:33
